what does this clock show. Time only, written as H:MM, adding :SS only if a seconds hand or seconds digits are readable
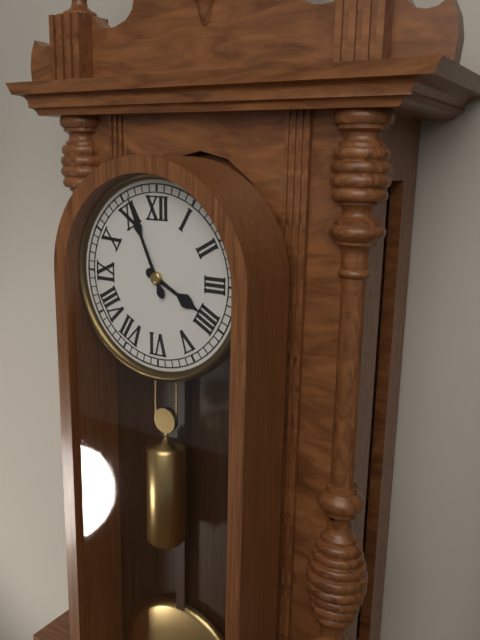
3:56
